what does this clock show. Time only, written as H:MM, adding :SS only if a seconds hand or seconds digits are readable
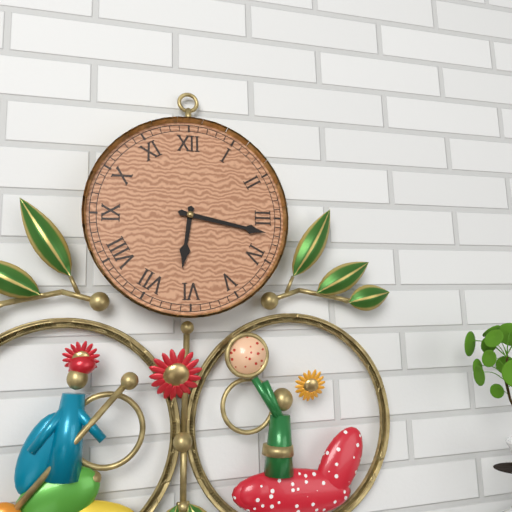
6:17
